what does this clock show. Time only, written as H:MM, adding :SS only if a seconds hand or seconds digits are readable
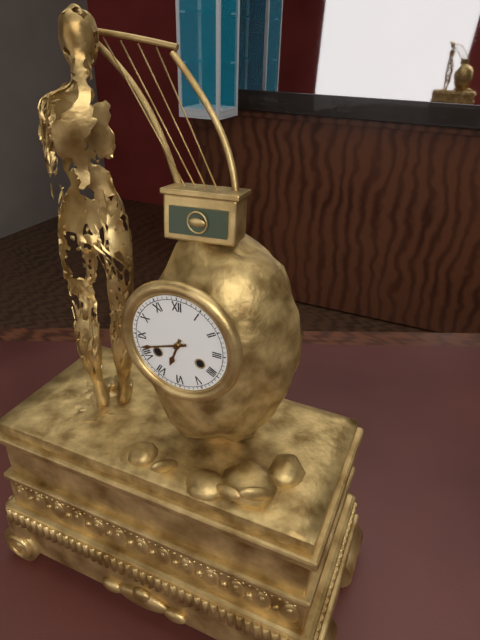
6:42
